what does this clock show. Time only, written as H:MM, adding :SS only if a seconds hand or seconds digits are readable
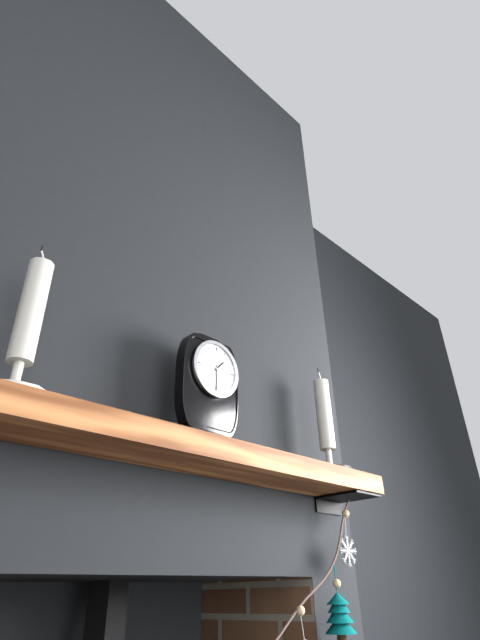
1:30
